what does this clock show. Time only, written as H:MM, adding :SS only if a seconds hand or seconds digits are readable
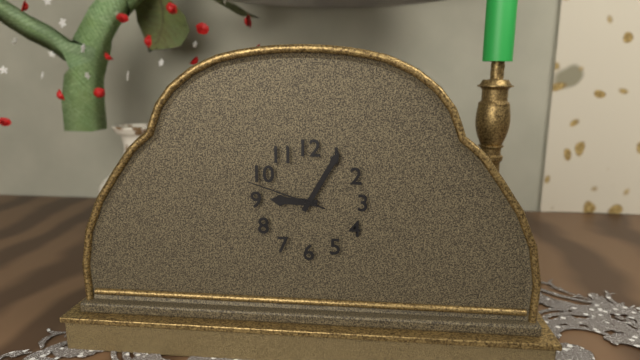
9:05:48
